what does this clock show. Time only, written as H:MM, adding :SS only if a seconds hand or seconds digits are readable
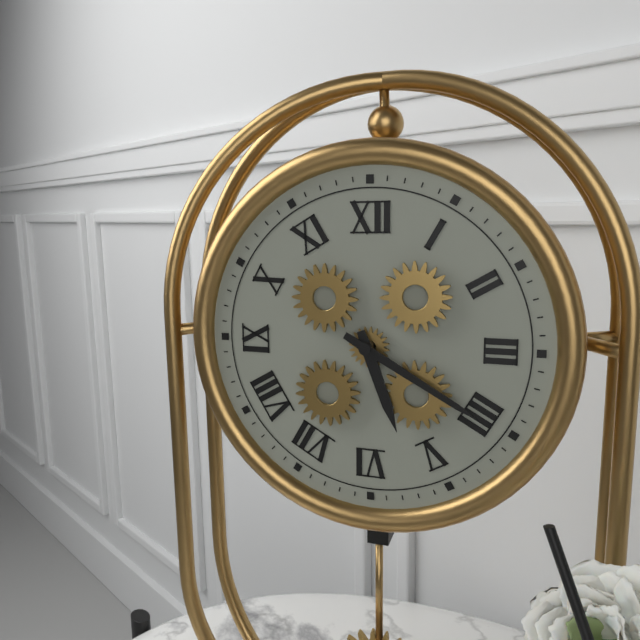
5:20
